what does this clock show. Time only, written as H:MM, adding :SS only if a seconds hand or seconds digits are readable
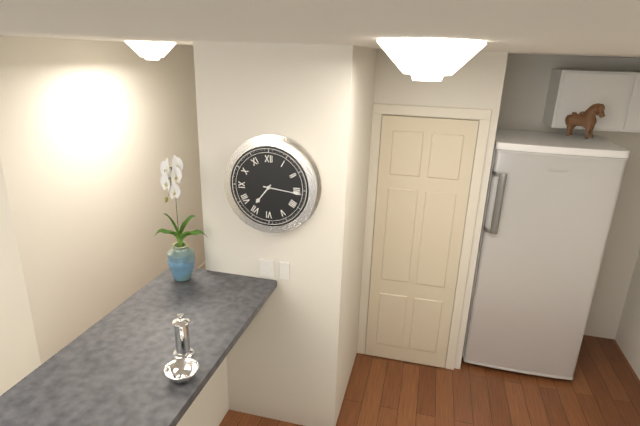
7:16
